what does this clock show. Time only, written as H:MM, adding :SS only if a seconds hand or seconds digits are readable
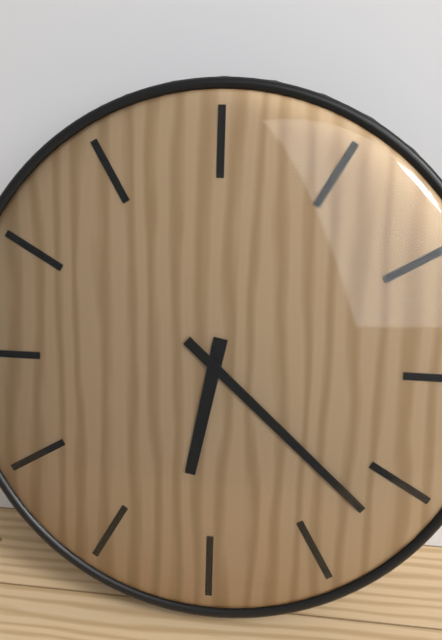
6:22
